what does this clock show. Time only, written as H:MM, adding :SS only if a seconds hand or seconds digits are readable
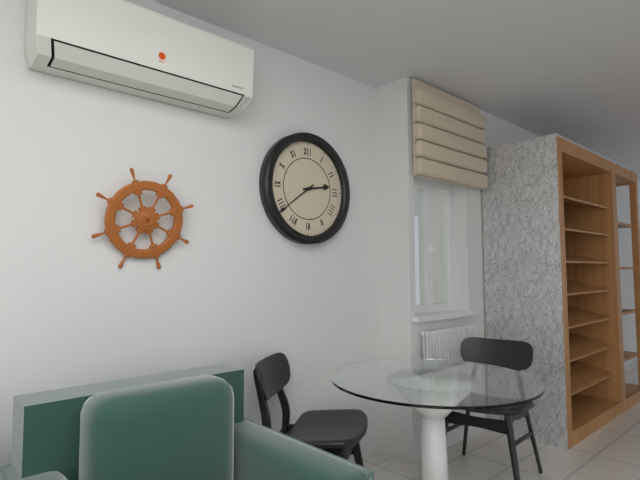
2:39
